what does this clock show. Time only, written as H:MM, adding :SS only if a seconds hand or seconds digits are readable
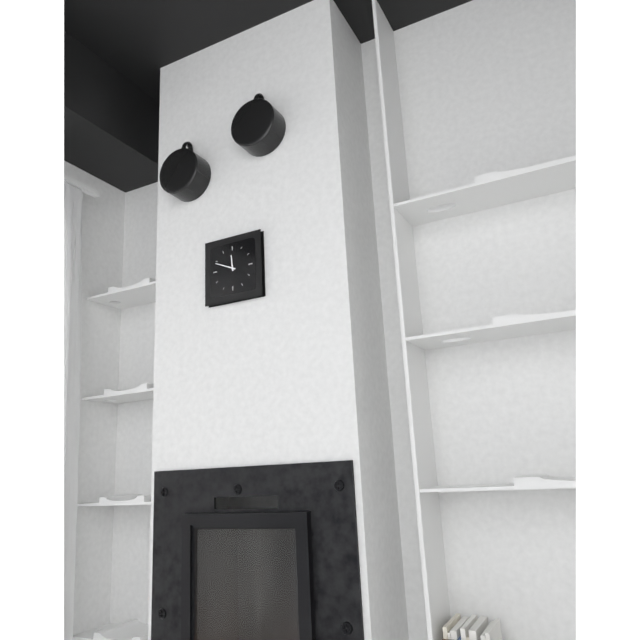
11:49
